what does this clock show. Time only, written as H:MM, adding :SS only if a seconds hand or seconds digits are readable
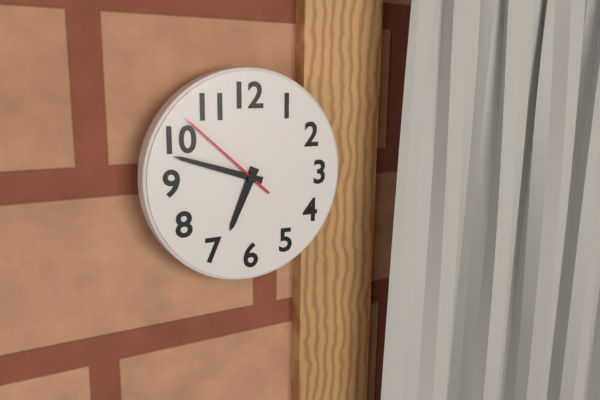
6:48:52
